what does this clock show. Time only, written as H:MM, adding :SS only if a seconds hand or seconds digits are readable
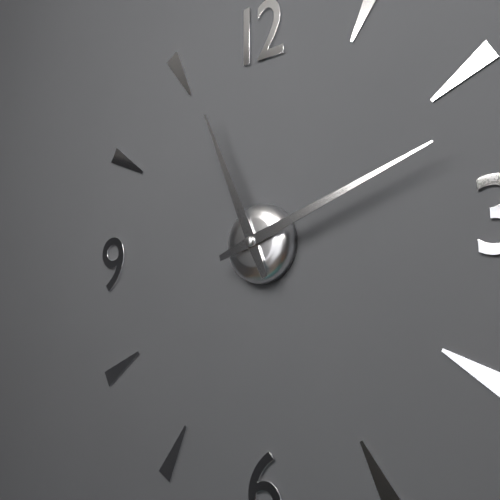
11:12
